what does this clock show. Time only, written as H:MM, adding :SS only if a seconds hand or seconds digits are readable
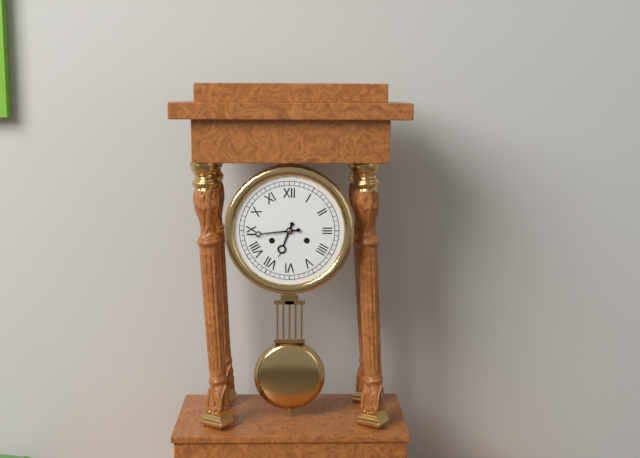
6:44
